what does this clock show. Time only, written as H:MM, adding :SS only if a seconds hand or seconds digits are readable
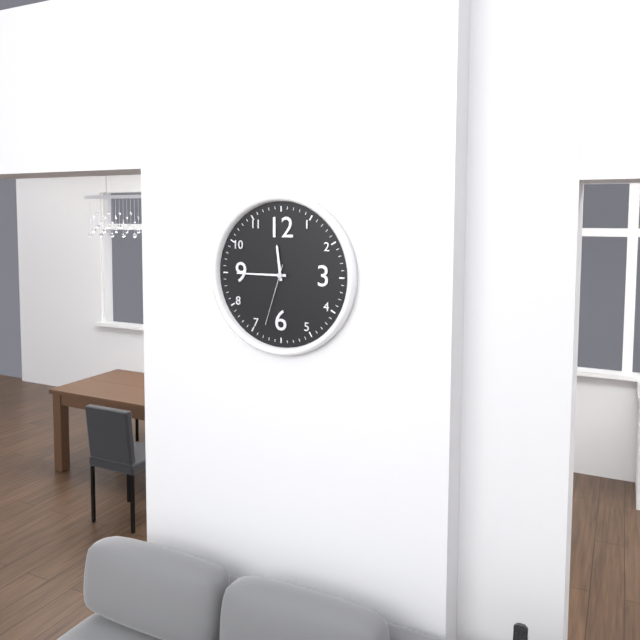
11:45:33
